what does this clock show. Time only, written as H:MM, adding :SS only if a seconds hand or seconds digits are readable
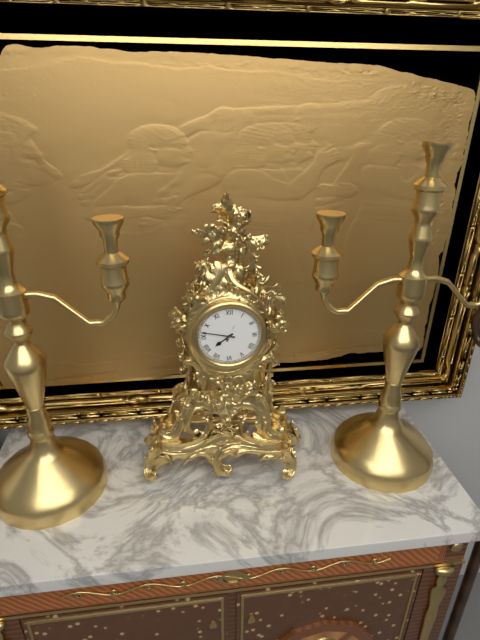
7:47
